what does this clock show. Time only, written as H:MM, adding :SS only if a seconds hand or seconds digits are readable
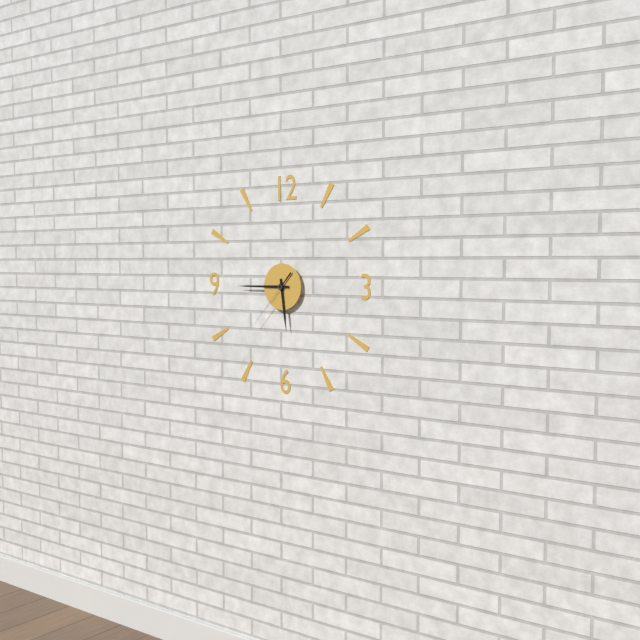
5:45:37
